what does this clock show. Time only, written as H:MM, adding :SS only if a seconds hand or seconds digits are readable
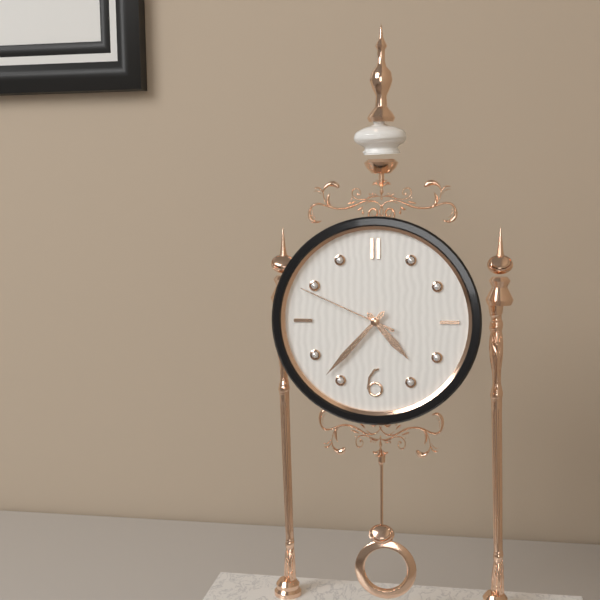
4:37:49
